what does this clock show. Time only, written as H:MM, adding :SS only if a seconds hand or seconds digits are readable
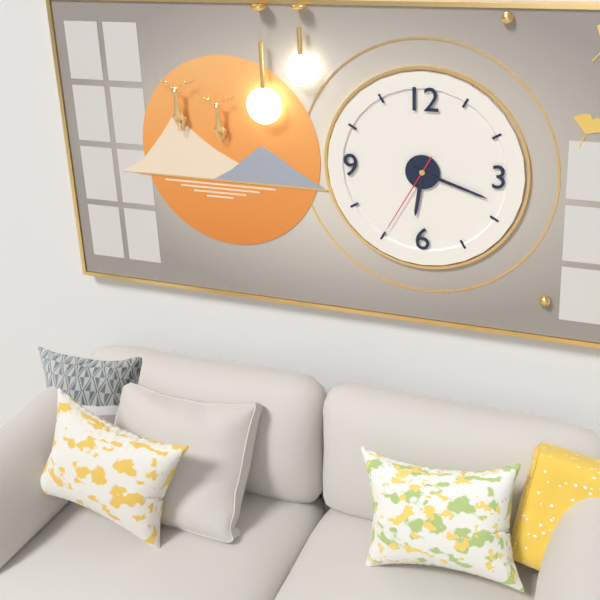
6:18:35
